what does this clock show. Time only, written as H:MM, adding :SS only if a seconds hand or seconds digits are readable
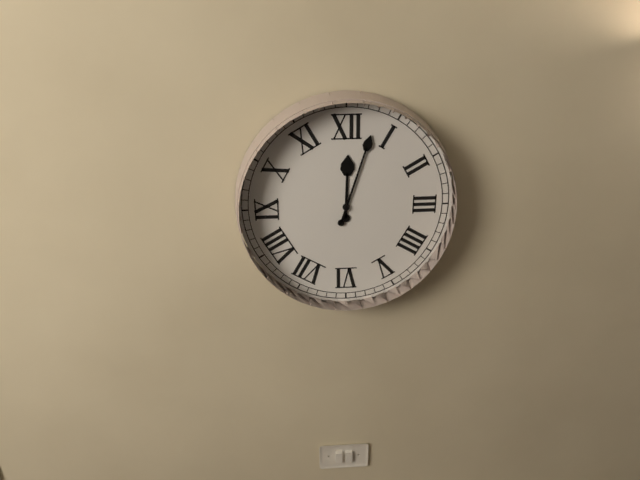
12:03
